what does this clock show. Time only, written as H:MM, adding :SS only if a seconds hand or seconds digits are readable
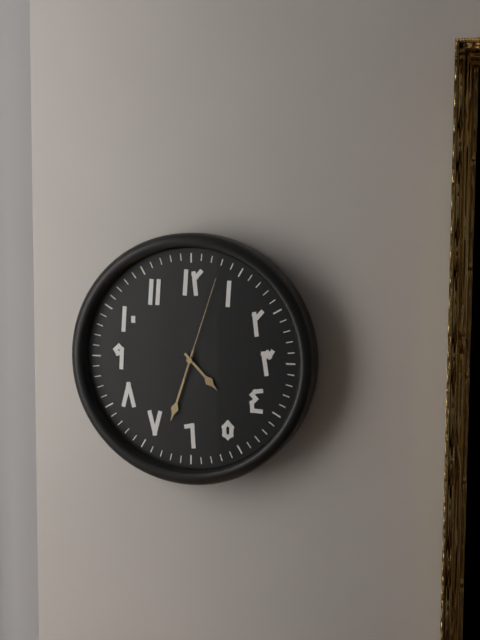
4:33:03
